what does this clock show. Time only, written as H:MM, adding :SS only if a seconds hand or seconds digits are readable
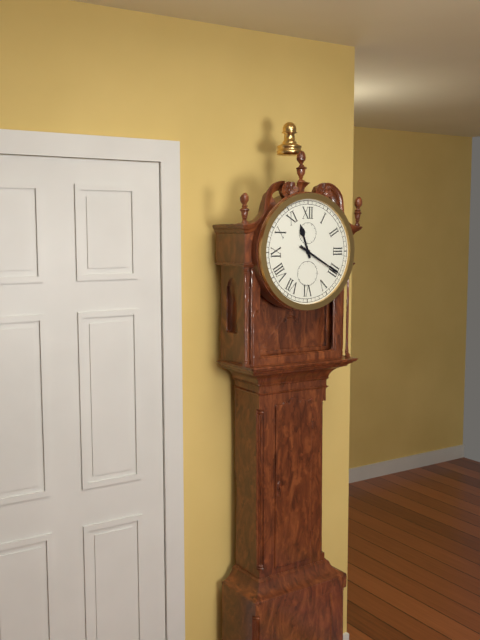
11:20
